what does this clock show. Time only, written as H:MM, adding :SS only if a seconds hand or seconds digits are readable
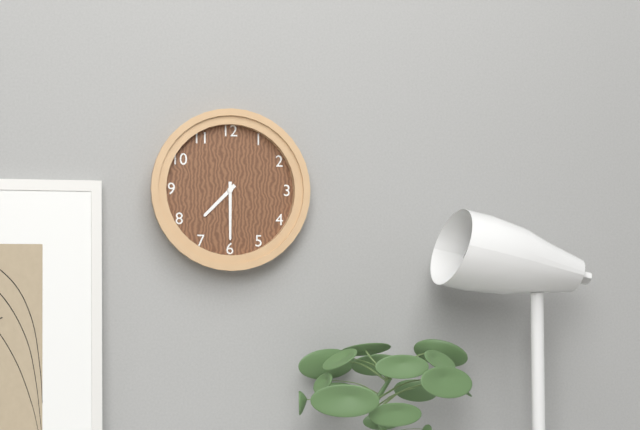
7:30
